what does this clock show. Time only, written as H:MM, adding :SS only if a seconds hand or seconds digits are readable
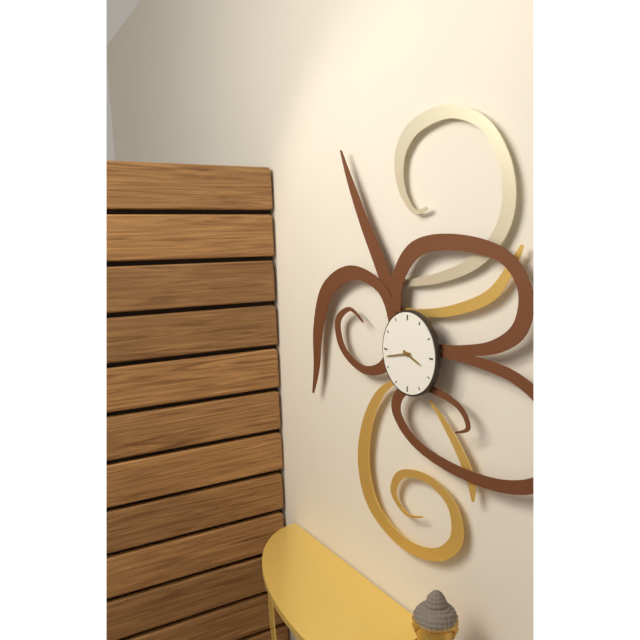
3:43
